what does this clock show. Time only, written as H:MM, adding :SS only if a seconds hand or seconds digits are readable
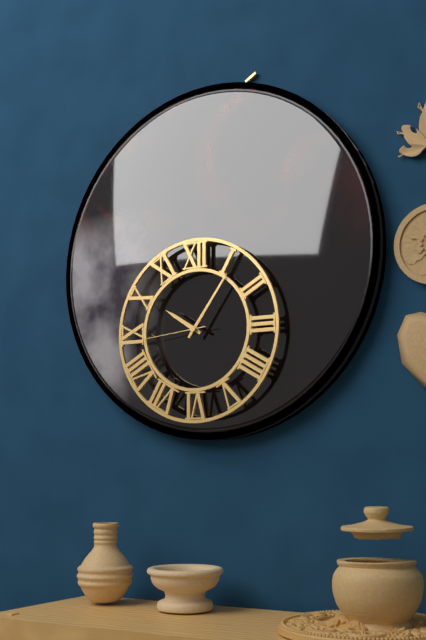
10:06:44
